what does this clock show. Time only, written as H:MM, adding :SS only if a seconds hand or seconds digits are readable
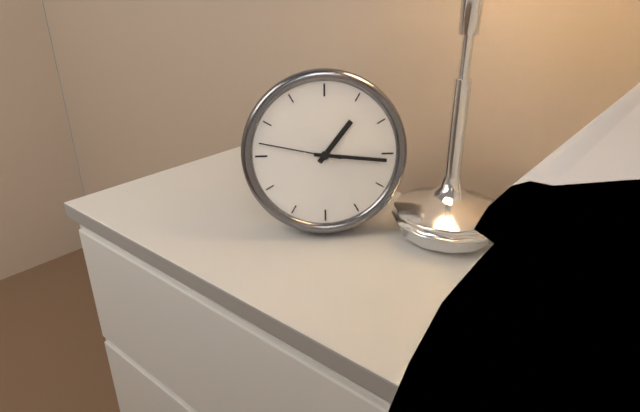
1:16:47
